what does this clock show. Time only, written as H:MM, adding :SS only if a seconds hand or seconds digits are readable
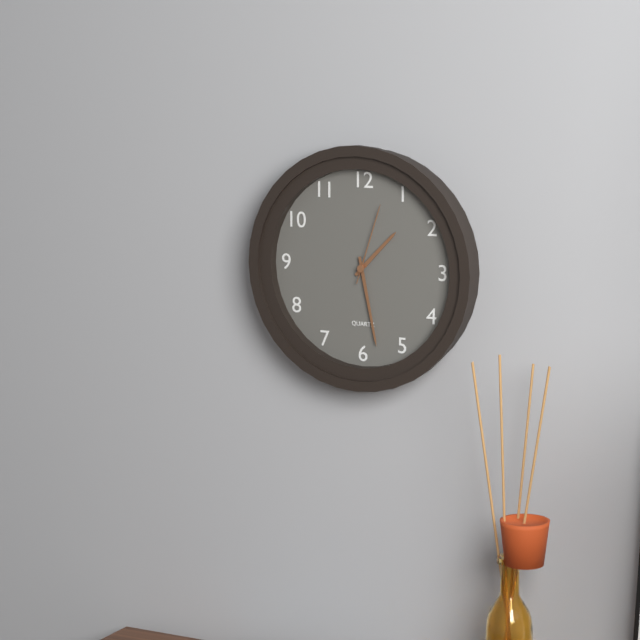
1:28:03
